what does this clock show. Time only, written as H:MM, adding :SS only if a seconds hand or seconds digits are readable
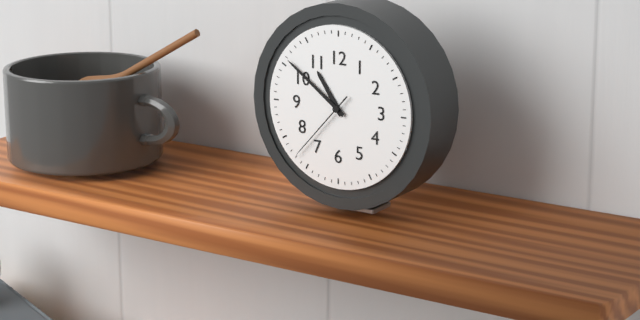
10:51:37
